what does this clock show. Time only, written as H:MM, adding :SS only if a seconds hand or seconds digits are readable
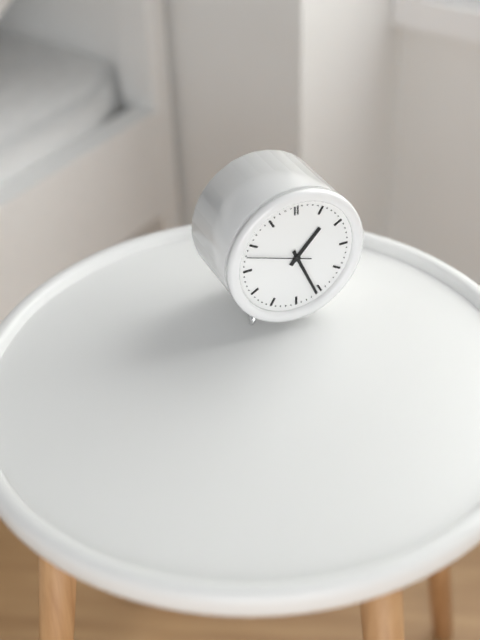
1:26:48
